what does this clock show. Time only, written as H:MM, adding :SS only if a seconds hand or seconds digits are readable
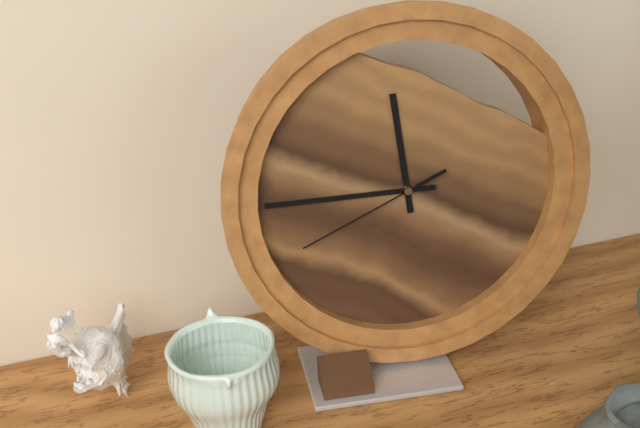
11:45:41
